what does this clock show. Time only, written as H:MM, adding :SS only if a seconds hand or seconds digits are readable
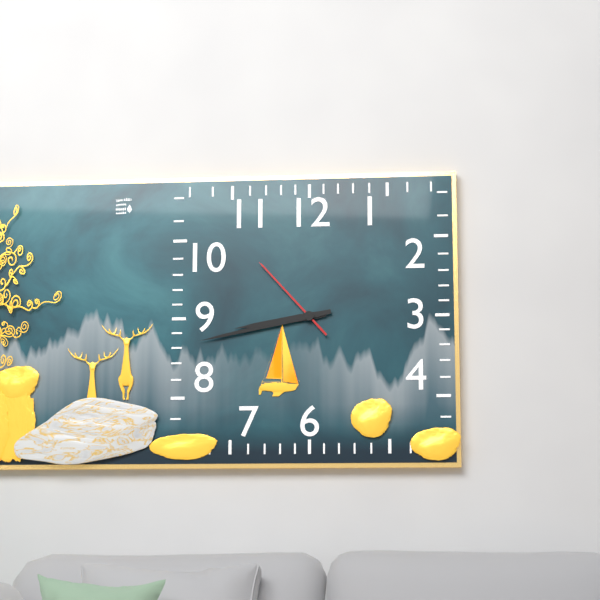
8:43:53
